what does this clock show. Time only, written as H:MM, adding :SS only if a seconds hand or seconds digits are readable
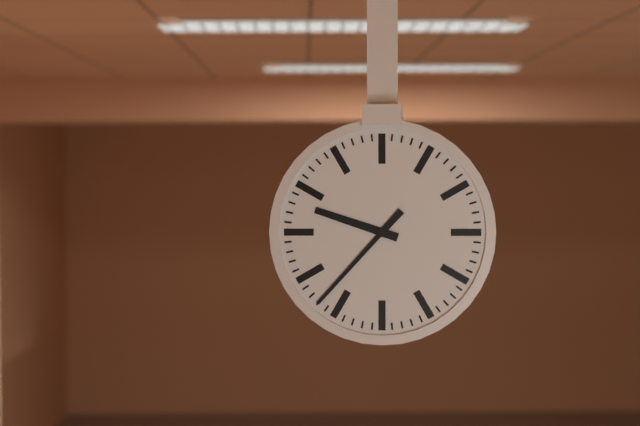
9:37
